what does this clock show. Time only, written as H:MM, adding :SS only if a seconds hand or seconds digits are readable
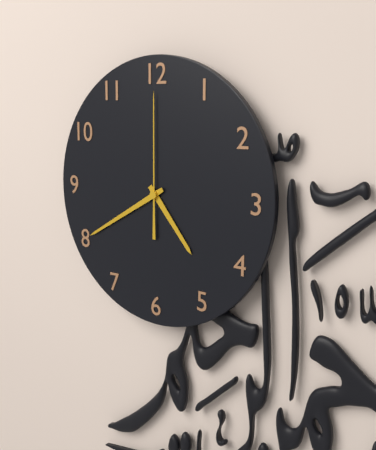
4:40:00
